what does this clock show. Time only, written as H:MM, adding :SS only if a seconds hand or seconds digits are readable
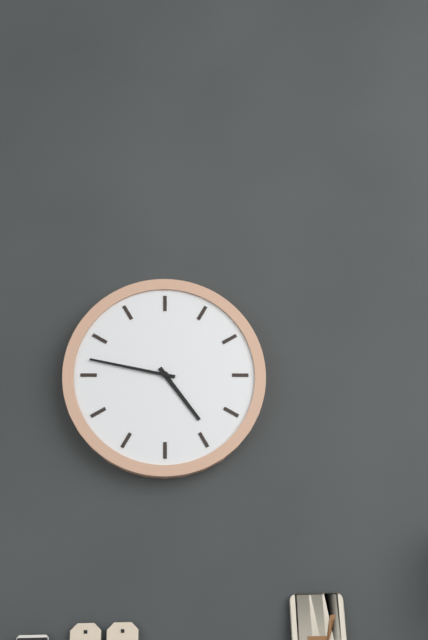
4:47
